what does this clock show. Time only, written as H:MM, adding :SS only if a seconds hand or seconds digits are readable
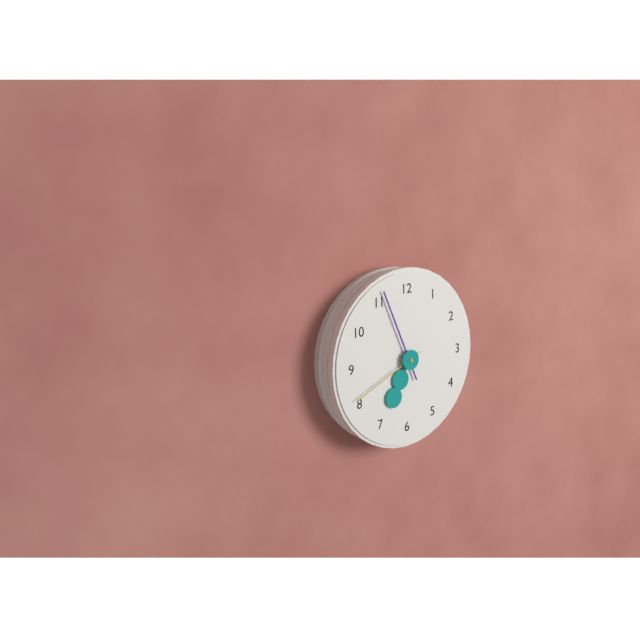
6:56:41
